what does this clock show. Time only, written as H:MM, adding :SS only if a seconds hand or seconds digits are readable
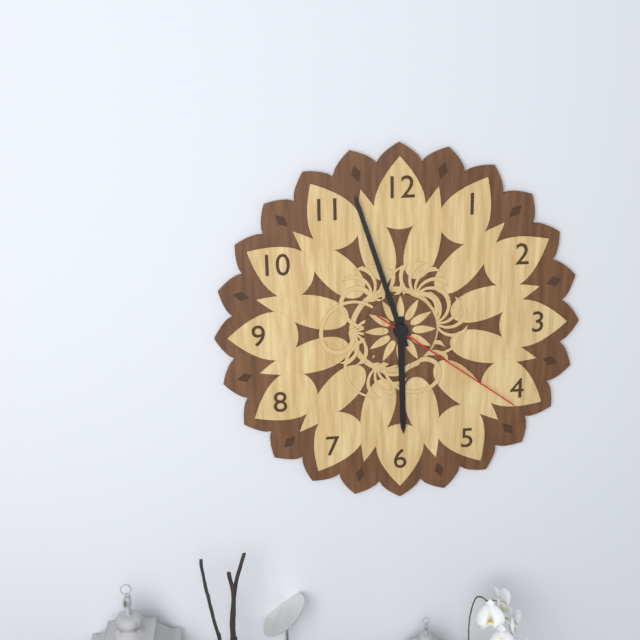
5:57:21
